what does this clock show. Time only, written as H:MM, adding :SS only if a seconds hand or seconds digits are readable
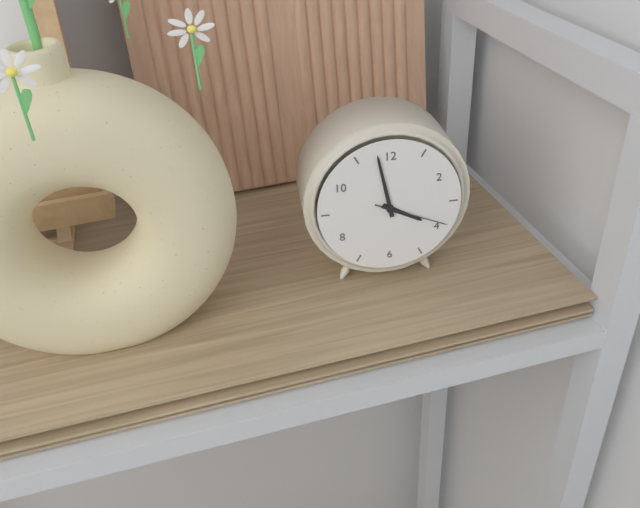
3:58:19
